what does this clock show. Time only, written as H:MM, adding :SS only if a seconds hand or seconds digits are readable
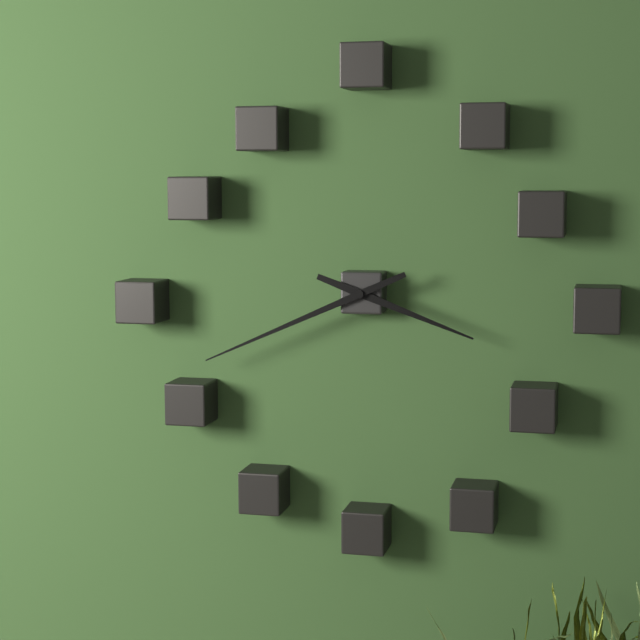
3:41
